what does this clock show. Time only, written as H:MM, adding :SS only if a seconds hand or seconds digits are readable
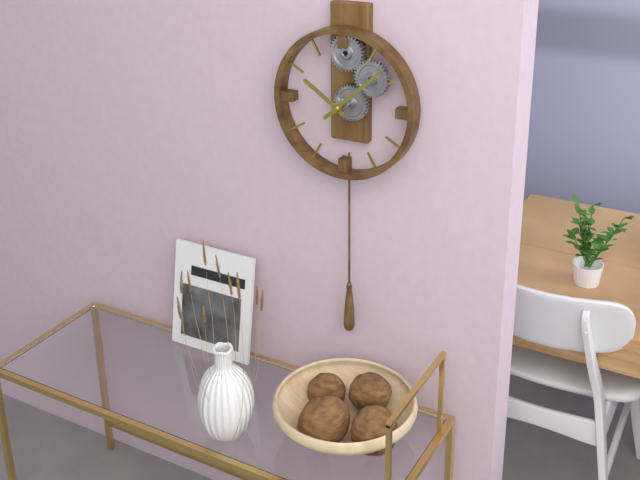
10:08
